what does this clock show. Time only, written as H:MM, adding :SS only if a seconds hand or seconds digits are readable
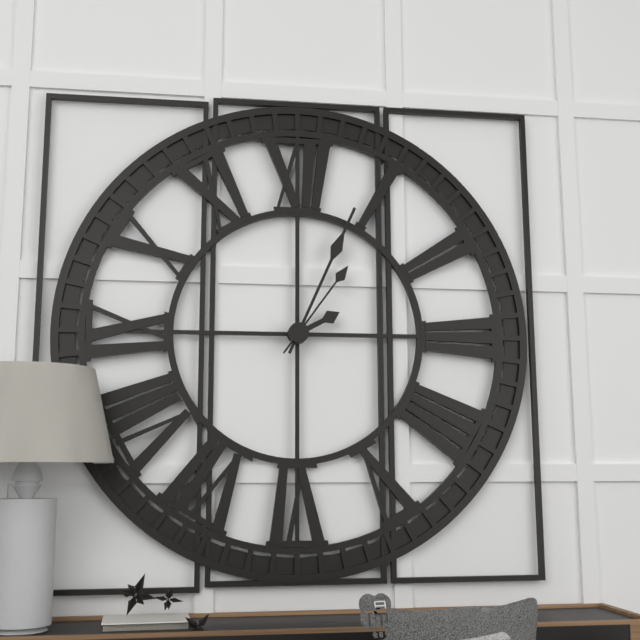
2:04:06
